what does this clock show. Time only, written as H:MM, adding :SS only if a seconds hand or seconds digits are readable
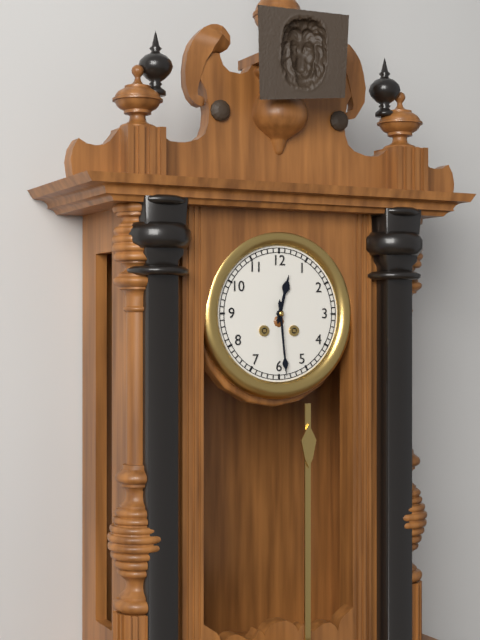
12:29
